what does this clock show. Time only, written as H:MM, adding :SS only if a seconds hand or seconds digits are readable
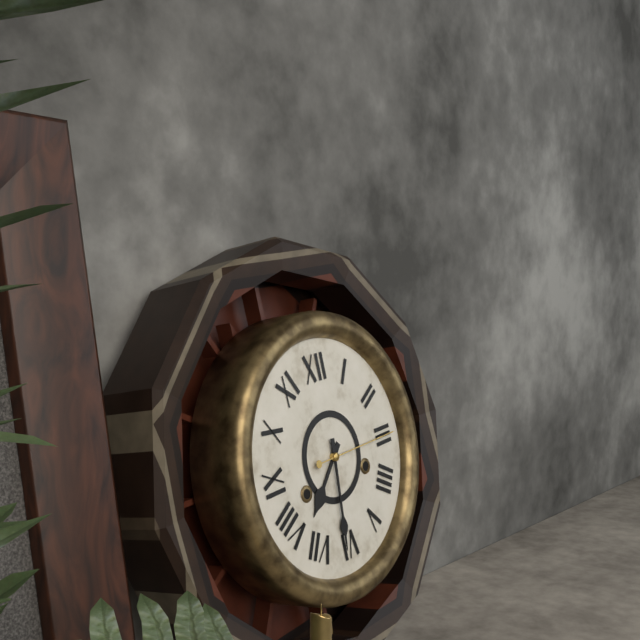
7:31:15
